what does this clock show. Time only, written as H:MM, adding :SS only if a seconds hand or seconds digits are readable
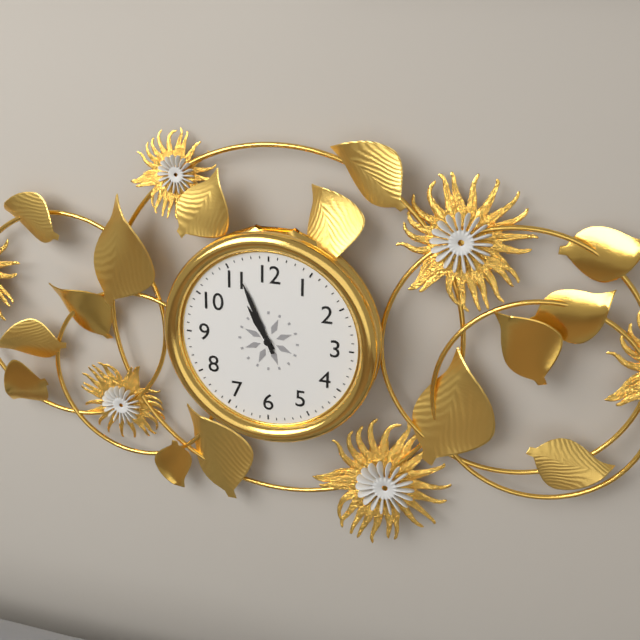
10:56
